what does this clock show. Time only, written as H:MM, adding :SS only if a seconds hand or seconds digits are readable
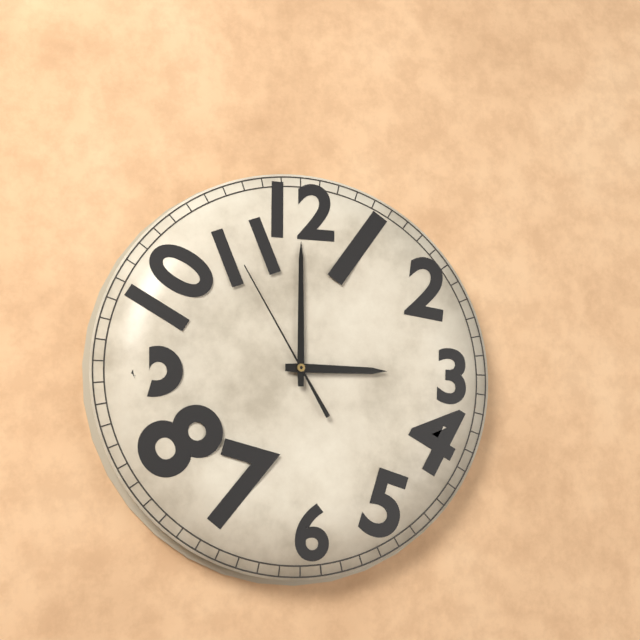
3:00:55
